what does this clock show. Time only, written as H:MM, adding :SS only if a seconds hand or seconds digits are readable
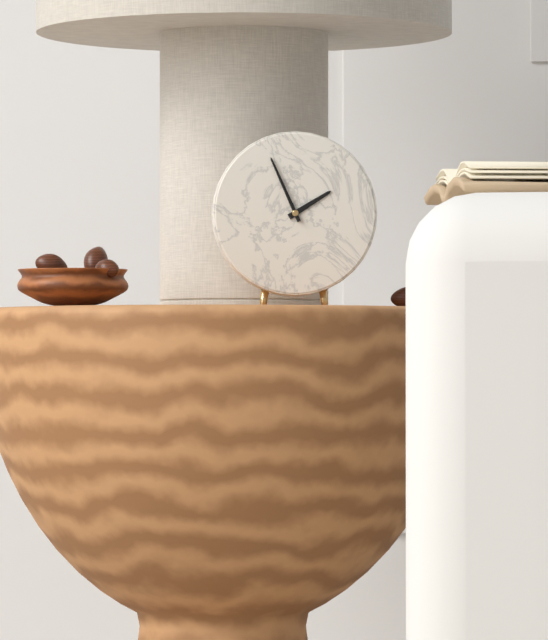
1:56
